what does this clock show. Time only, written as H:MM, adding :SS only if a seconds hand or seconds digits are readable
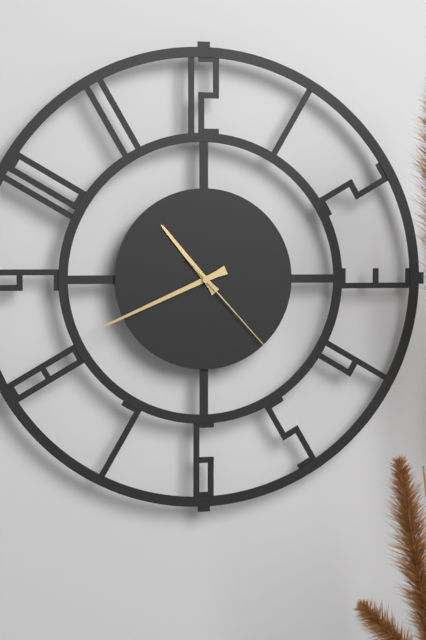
10:41:23
